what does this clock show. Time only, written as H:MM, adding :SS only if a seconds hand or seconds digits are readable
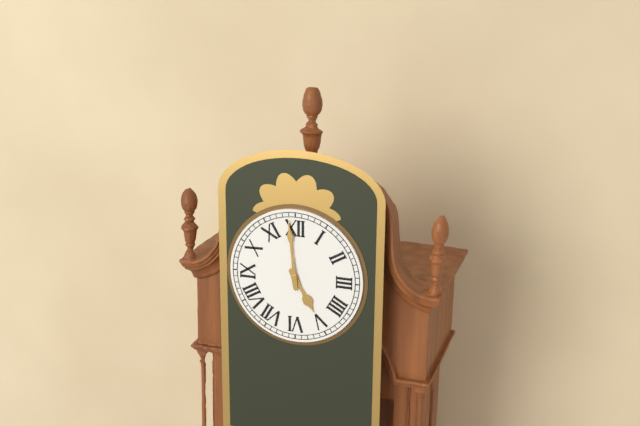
4:59
